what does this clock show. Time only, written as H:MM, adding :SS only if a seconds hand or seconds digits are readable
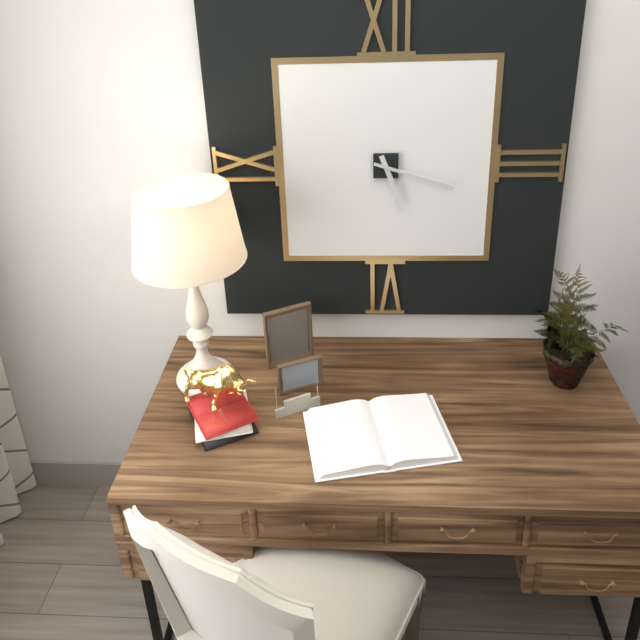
5:18
